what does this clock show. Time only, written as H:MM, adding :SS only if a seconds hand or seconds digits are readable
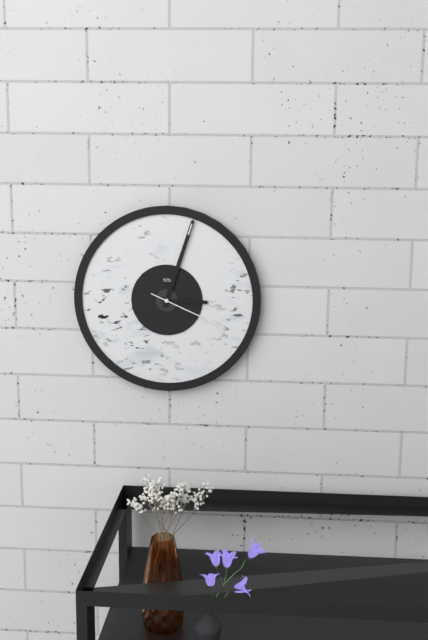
3:03:19
